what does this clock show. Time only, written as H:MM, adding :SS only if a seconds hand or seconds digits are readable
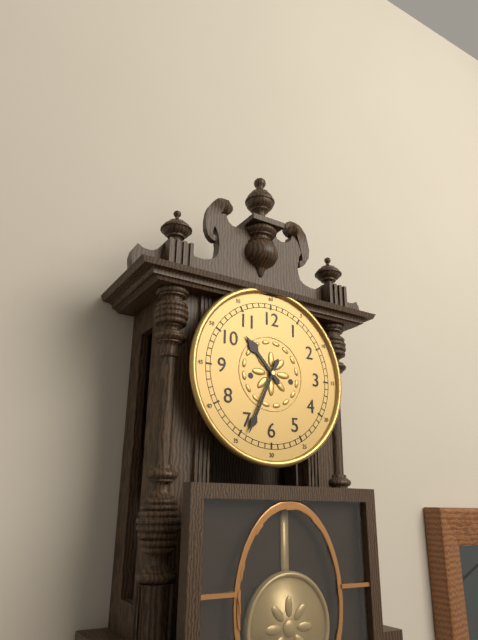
10:34
